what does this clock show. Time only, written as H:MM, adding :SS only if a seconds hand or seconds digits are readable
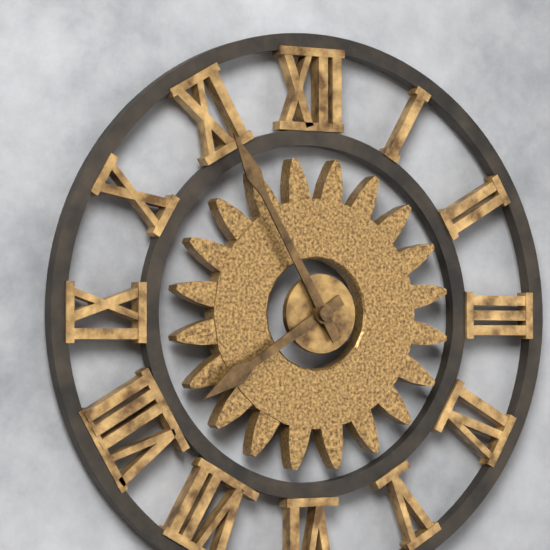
7:55
